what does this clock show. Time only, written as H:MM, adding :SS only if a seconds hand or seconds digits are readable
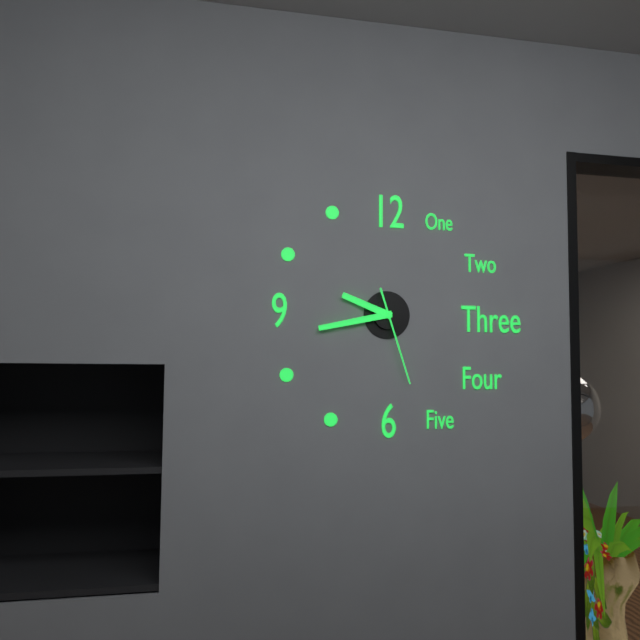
9:43:27
